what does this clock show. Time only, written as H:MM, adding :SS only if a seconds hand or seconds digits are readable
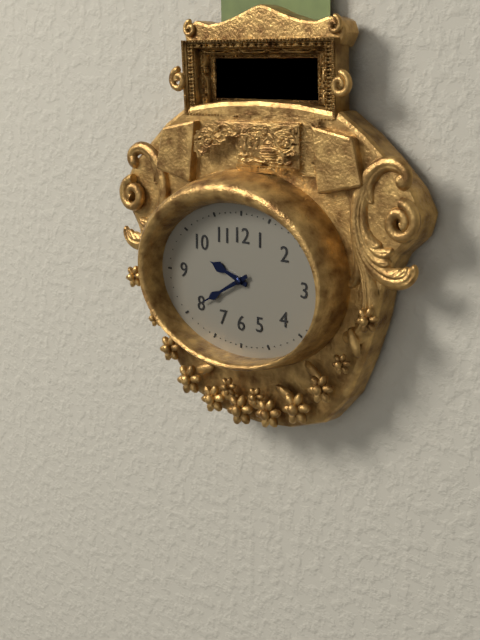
9:40
